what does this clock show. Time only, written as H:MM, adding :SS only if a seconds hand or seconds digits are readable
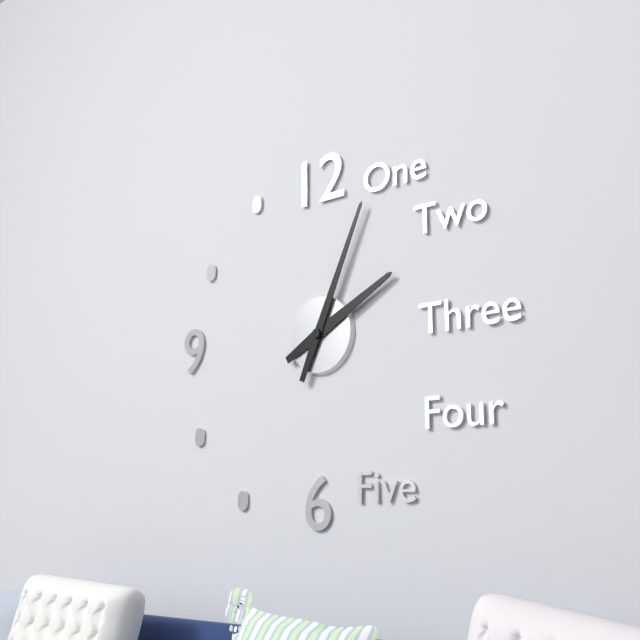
2:04
